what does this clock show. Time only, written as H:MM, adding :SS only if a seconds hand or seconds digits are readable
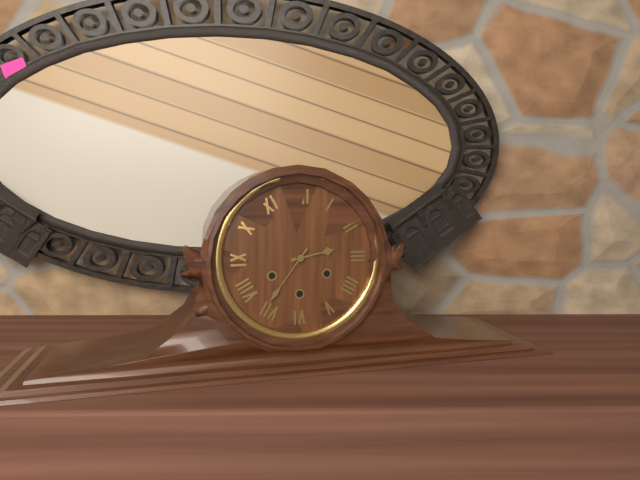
2:36
